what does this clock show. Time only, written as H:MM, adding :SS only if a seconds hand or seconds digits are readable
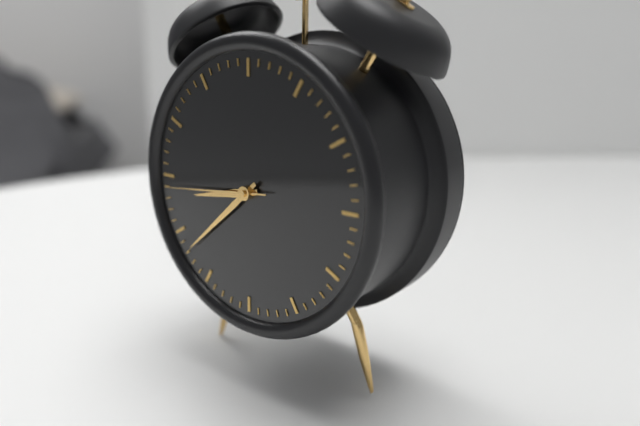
8:38:44
